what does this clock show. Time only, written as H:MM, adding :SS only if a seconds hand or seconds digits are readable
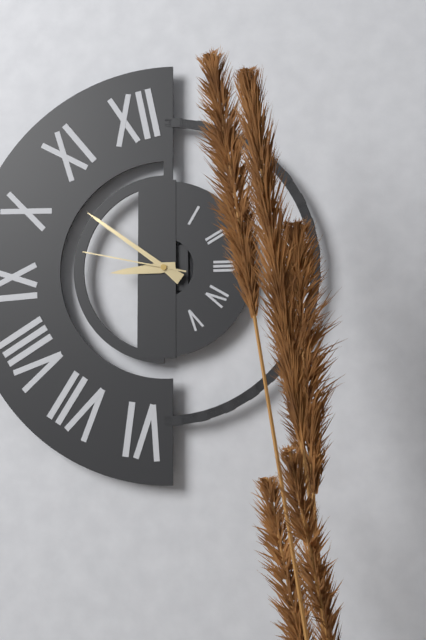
8:51:47
